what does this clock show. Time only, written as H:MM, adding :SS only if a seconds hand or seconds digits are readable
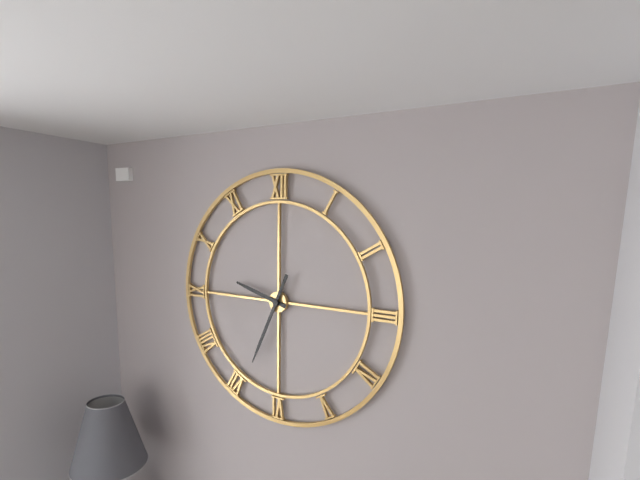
9:34
